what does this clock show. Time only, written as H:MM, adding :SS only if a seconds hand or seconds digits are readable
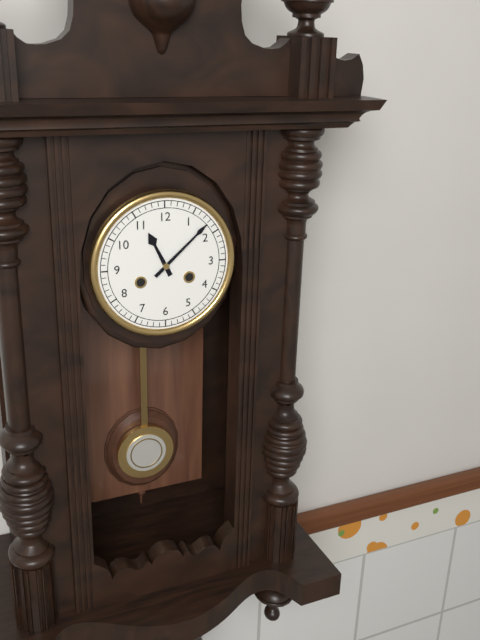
11:08
